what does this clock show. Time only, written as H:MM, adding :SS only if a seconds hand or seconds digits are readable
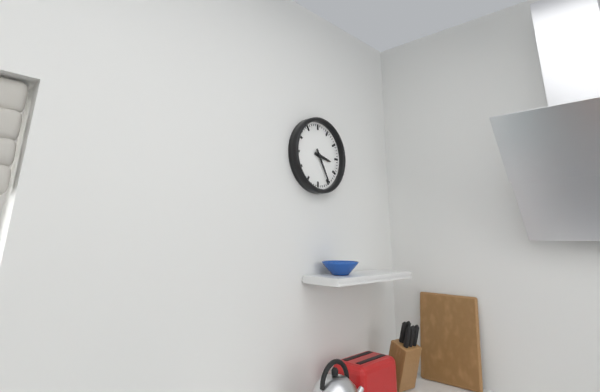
3:25
